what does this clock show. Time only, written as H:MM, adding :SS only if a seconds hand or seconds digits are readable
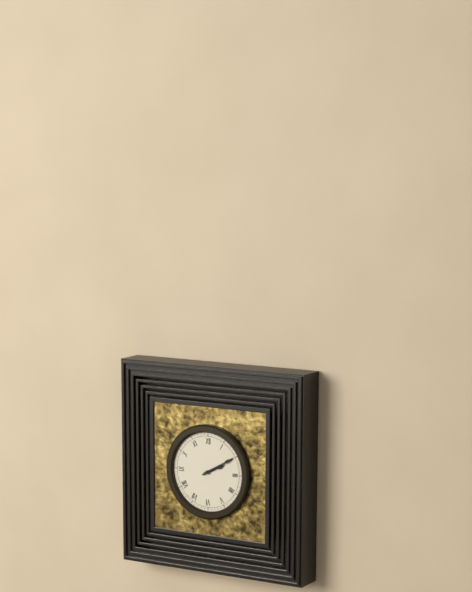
2:10
